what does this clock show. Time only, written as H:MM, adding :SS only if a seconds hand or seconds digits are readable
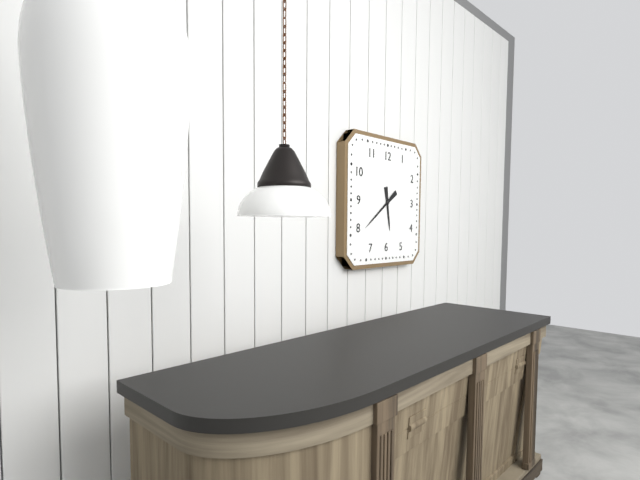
5:39
